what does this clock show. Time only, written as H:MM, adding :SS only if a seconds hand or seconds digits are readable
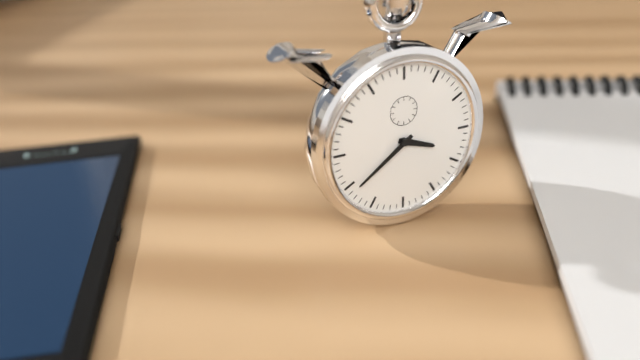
3:39
